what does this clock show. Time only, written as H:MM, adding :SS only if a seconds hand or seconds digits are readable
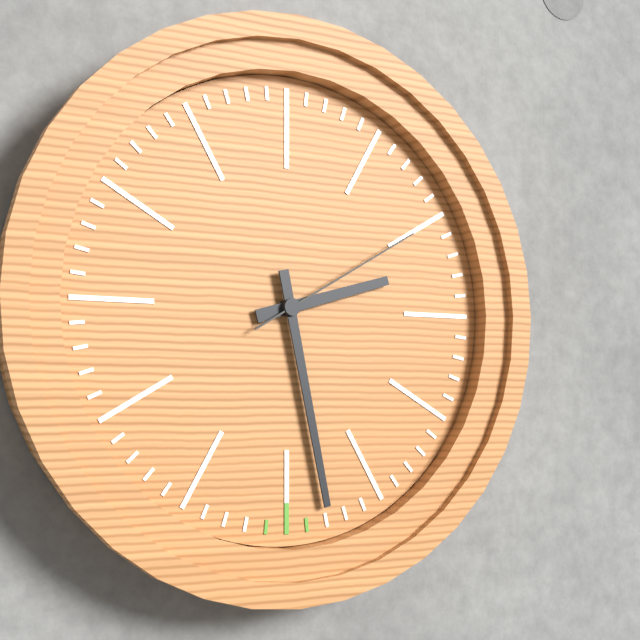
2:28:10
